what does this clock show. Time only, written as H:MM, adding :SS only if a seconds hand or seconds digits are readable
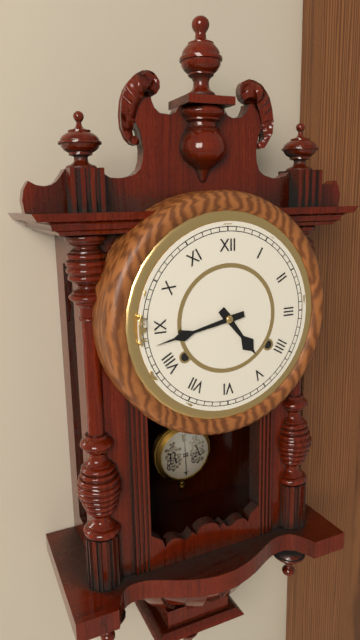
4:43
